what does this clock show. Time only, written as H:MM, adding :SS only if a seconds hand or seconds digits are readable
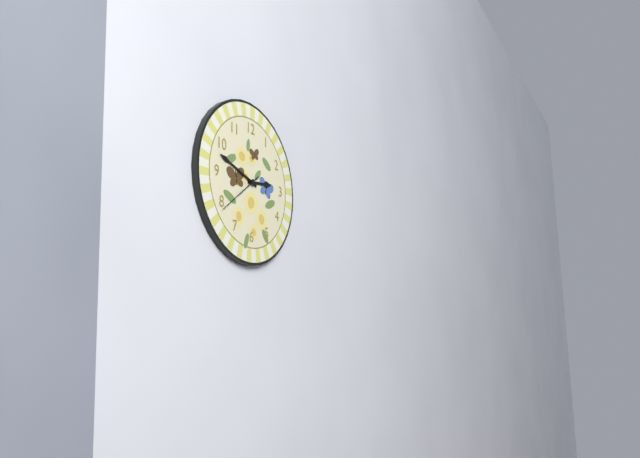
2:48
